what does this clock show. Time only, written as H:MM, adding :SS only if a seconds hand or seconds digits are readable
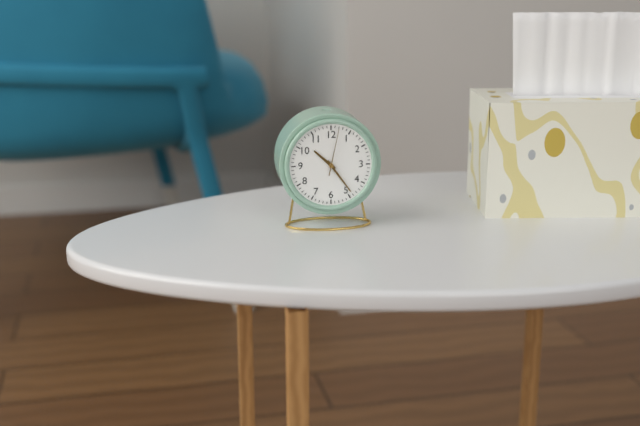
10:24
